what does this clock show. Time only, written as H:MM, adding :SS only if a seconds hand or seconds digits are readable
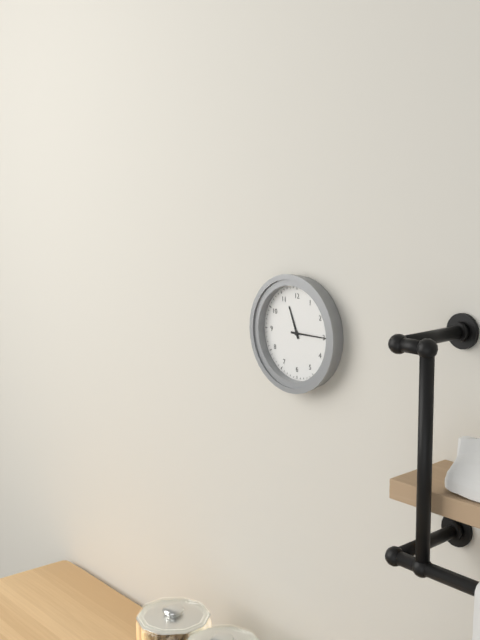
11:15
